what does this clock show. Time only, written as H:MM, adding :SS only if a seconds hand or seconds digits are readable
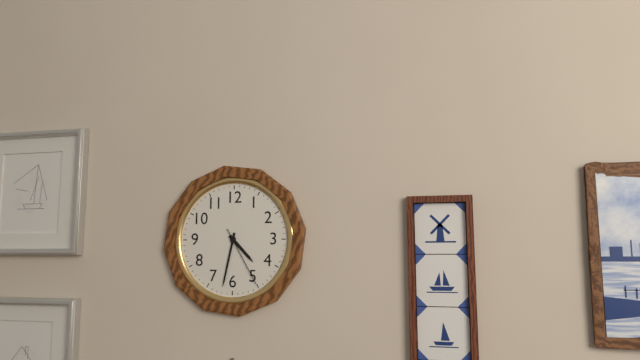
4:32:25
